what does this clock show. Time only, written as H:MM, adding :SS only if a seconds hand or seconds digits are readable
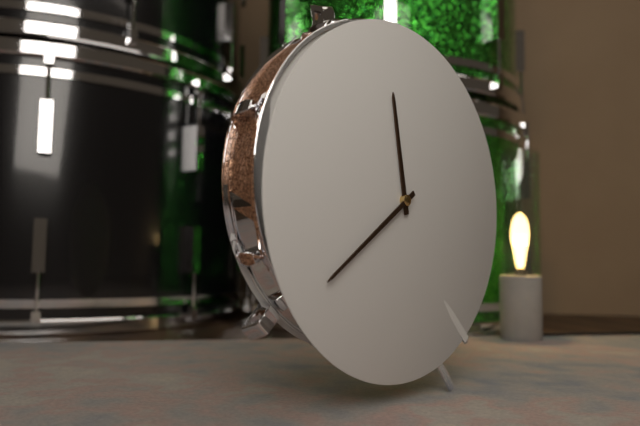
11:39
